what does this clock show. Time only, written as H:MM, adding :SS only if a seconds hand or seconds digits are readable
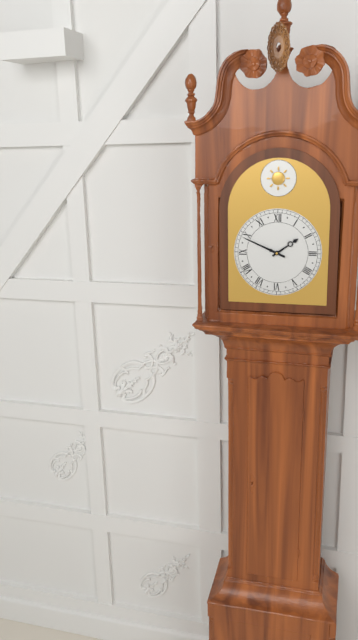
1:49
